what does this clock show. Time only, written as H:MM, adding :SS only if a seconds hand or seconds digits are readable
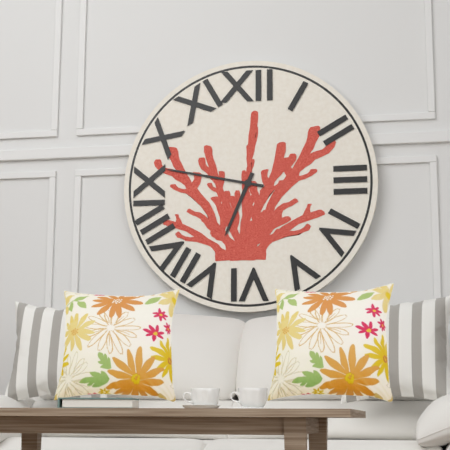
6:47
